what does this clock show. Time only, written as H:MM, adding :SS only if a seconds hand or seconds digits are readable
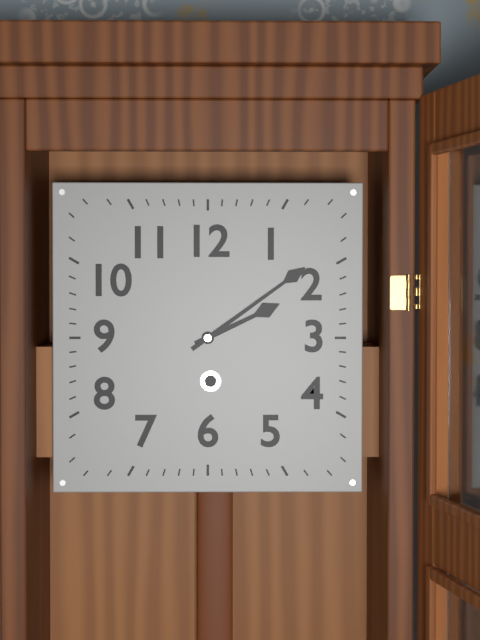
2:09
